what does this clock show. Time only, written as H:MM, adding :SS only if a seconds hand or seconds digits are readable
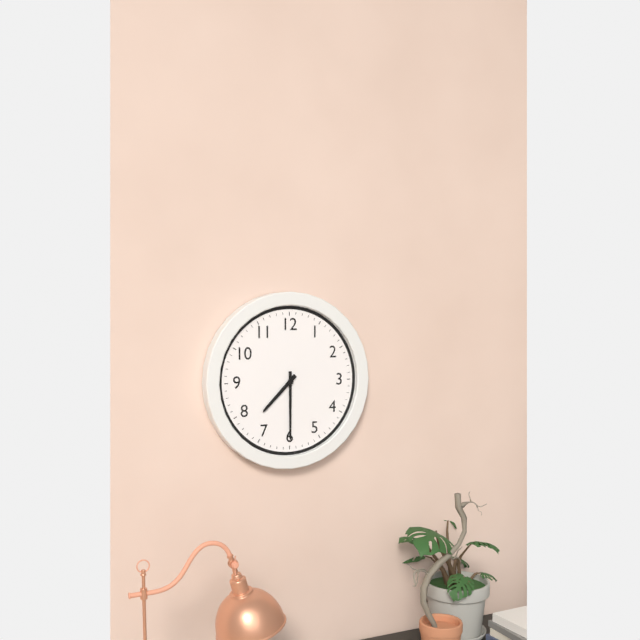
7:30
